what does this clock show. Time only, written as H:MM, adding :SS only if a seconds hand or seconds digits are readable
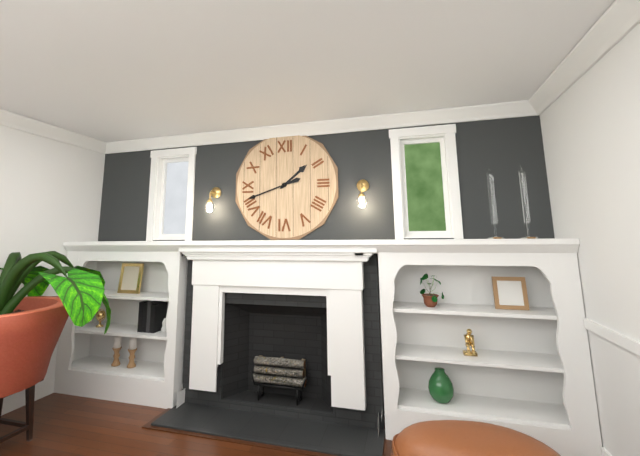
1:42
